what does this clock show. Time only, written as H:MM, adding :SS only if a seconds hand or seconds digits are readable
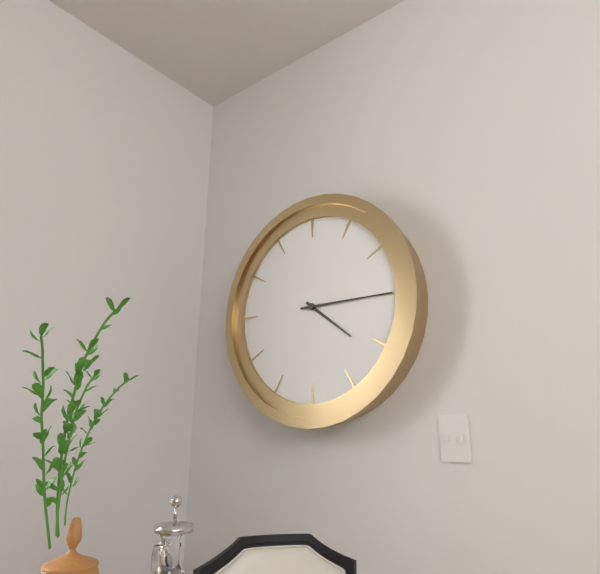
4:15
